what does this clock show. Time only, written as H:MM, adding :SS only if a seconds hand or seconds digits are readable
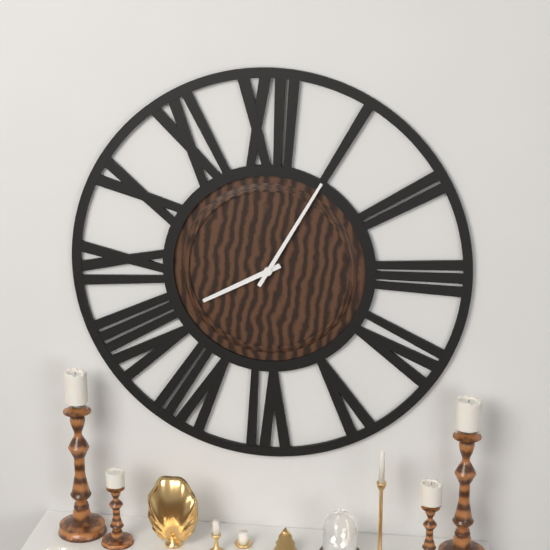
8:05
